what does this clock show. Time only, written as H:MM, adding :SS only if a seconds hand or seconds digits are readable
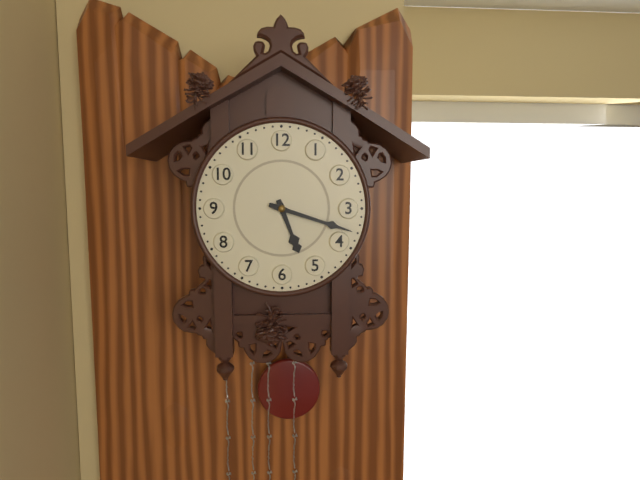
5:18
